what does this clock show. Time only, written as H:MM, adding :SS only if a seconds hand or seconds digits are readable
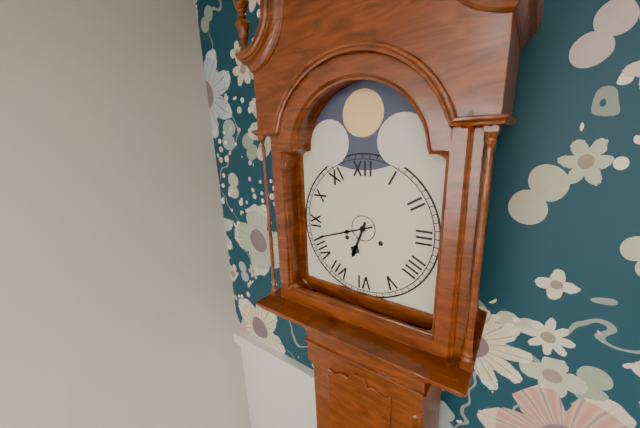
6:42
